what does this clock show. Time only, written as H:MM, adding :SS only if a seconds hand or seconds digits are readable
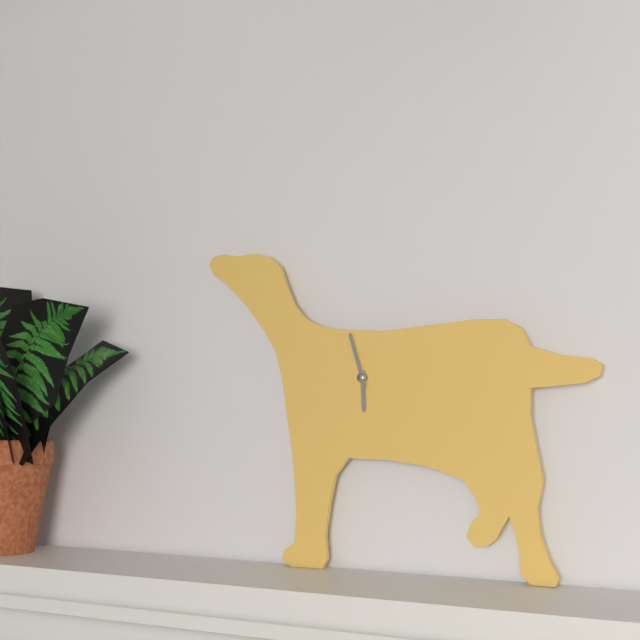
5:57
